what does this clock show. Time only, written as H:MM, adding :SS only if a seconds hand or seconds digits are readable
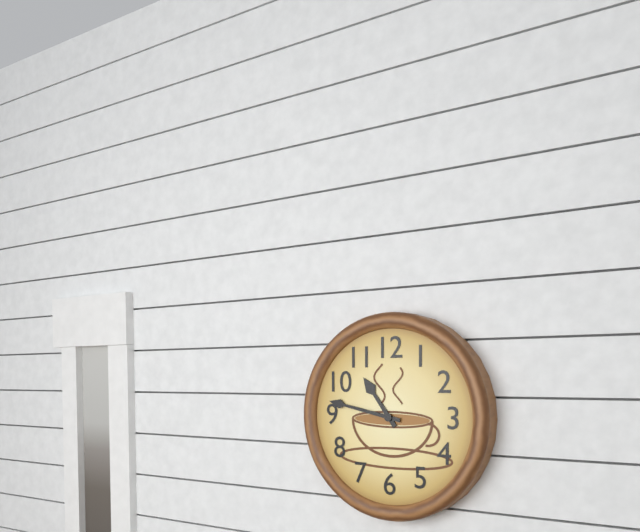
10:47
